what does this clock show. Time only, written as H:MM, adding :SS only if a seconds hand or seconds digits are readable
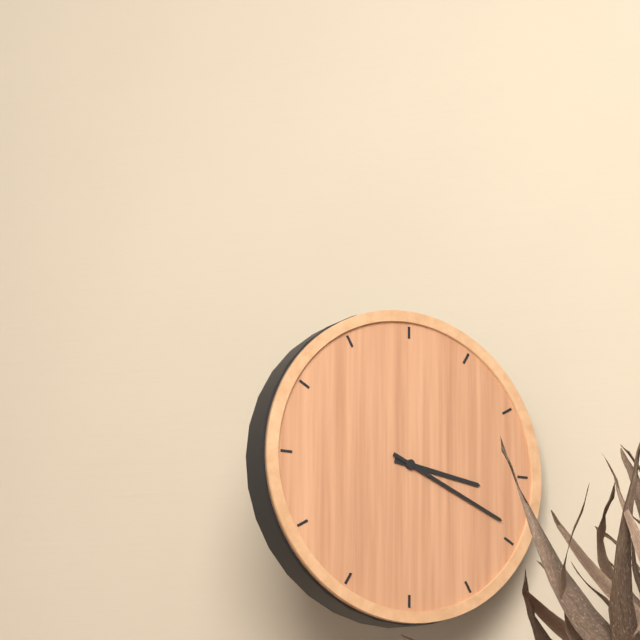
3:19
